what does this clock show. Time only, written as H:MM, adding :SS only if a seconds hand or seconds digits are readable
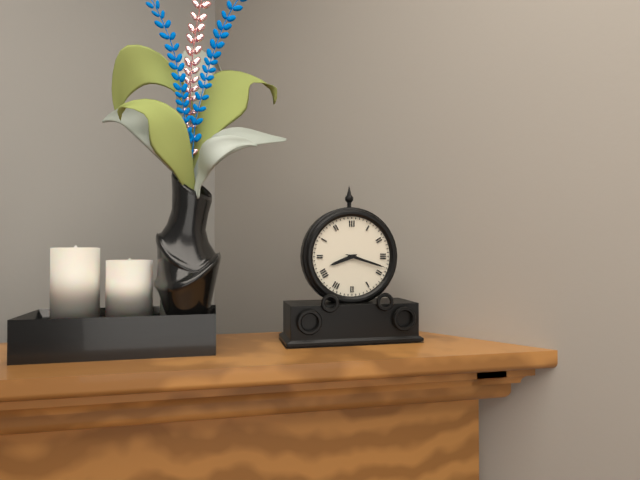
8:18
